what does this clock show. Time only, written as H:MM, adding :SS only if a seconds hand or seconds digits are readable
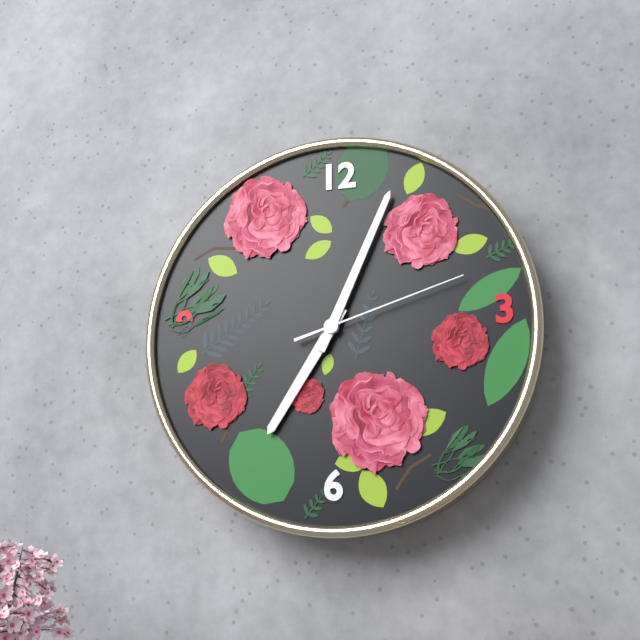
7:04:12
